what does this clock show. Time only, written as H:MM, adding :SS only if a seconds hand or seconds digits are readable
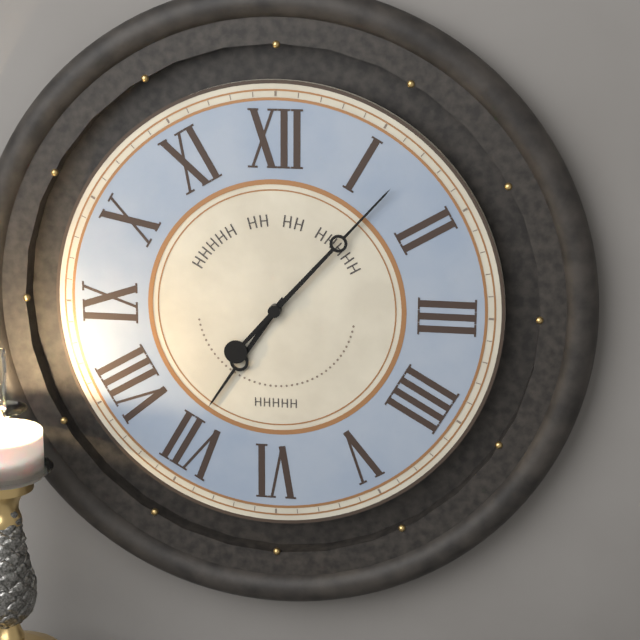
7:07
